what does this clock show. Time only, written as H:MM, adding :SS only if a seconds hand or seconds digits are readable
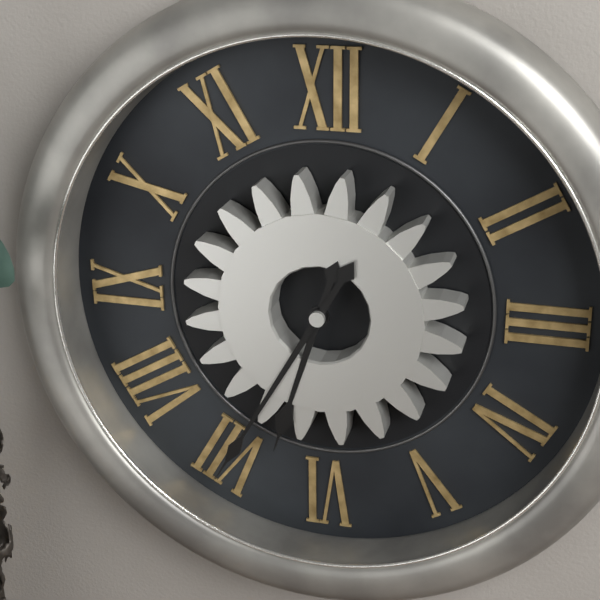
6:35
